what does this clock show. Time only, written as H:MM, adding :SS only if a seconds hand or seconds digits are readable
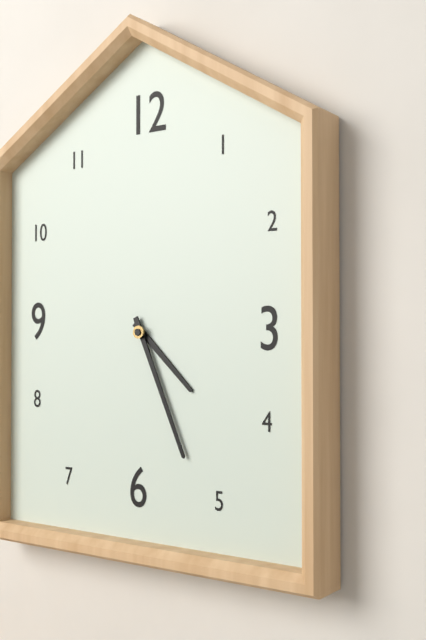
4:26
